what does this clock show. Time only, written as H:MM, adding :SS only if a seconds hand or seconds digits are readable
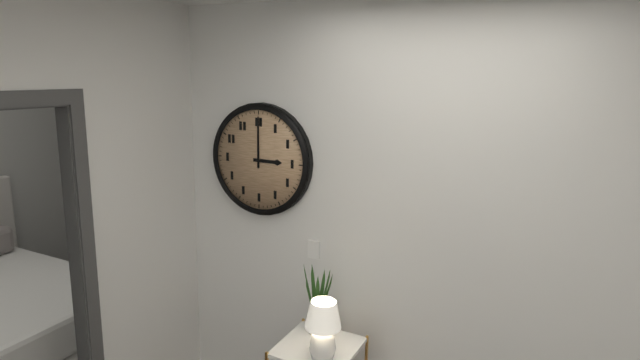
3:00
